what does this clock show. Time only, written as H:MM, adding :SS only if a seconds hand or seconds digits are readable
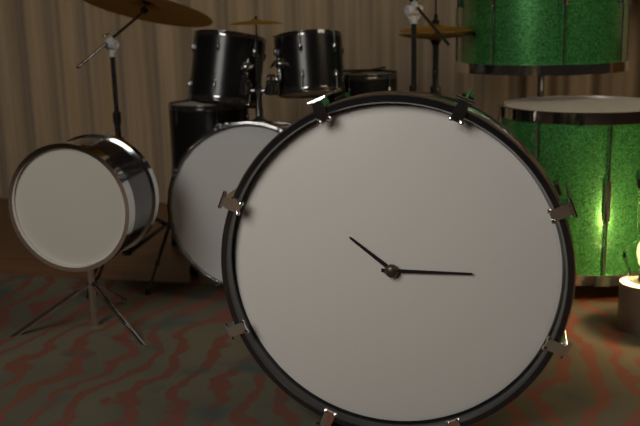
10:15
